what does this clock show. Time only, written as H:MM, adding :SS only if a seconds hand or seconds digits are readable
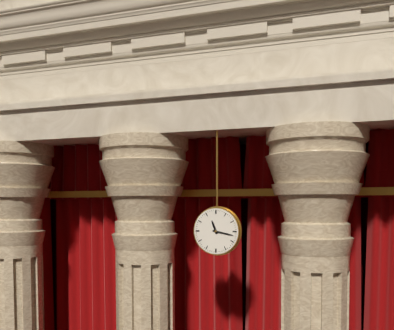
11:17
